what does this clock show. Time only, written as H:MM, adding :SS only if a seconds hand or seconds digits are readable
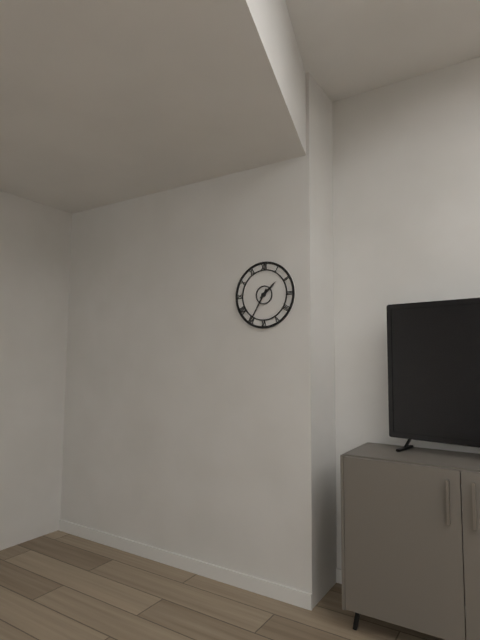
1:35
